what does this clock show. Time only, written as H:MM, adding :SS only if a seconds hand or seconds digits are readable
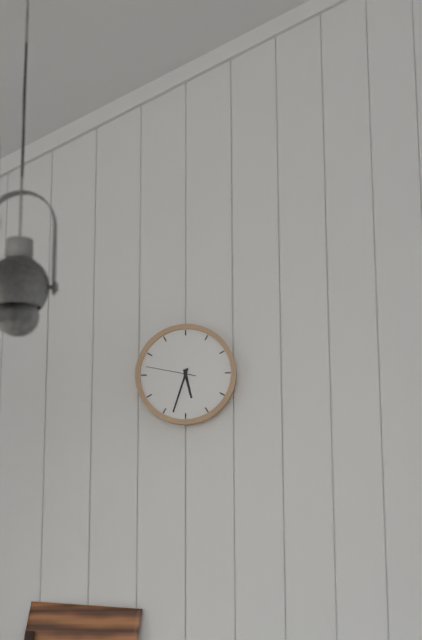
5:33:47
